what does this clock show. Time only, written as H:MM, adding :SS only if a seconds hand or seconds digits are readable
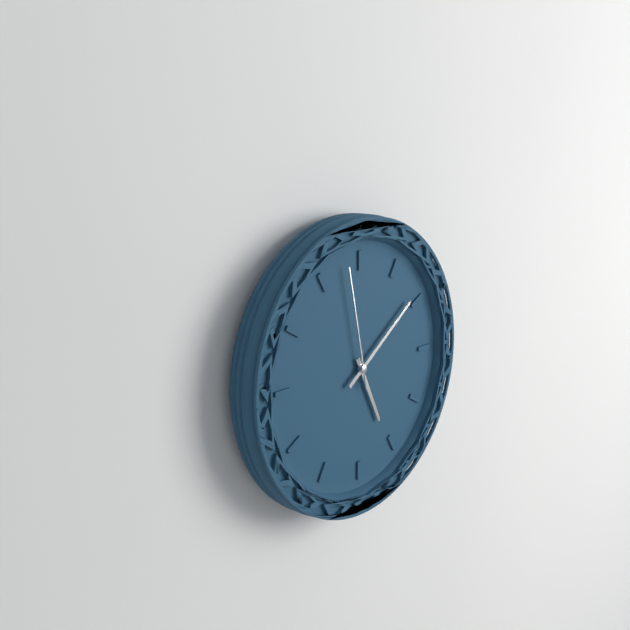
5:09:58
